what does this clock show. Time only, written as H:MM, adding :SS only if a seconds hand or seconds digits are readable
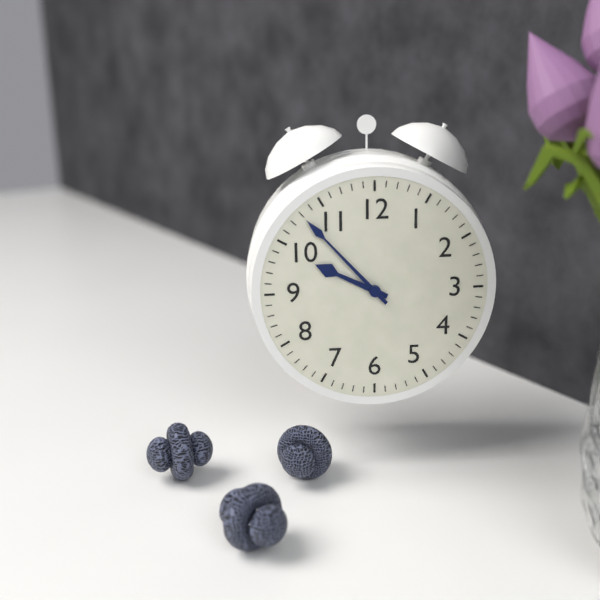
9:53
